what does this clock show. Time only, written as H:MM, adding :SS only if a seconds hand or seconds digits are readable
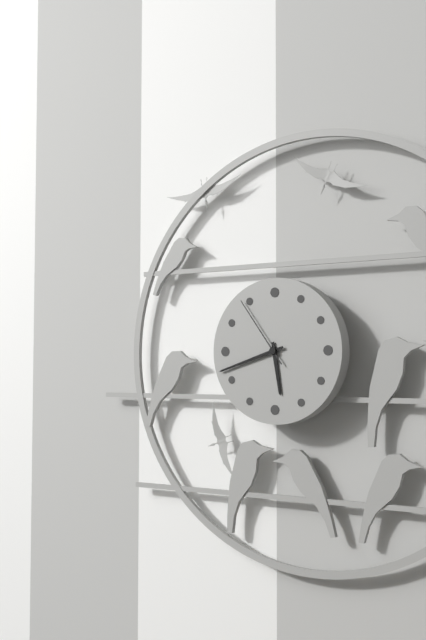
5:42:54
